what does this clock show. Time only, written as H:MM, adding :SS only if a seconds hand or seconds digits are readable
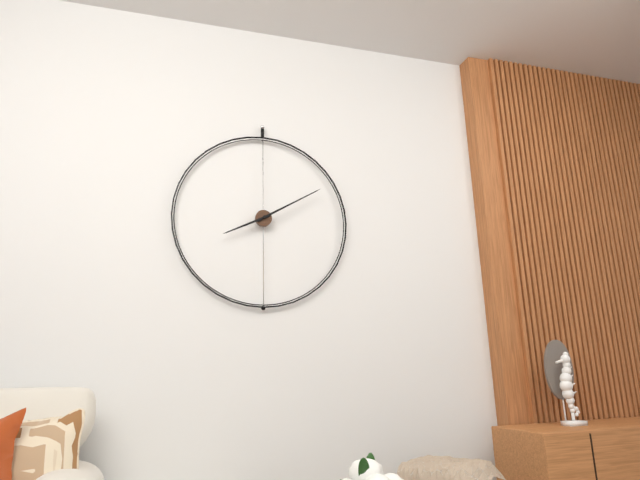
8:10
